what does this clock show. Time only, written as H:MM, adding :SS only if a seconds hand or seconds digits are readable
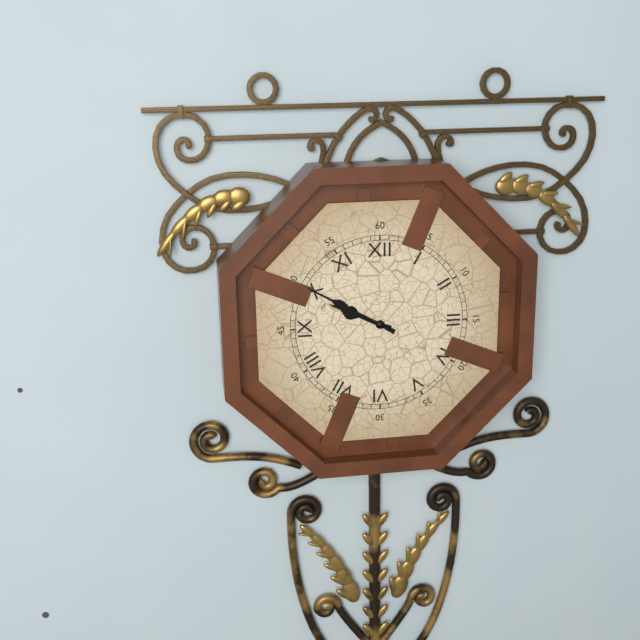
9:50
